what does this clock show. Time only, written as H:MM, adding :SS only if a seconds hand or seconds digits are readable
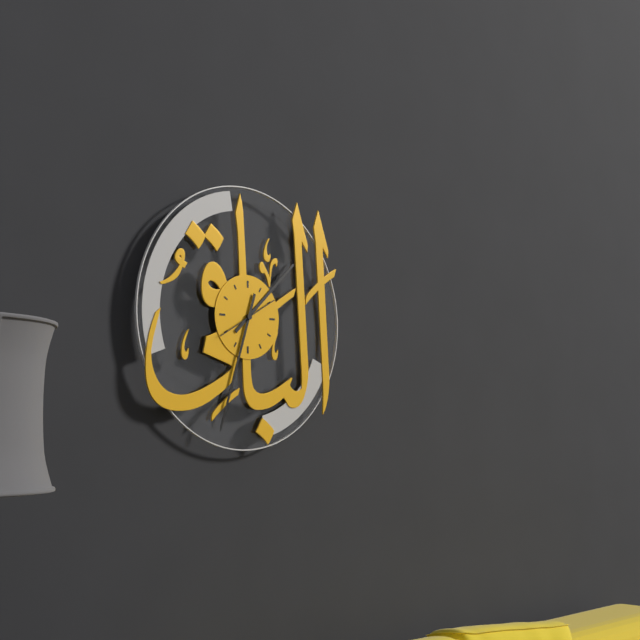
1:33
